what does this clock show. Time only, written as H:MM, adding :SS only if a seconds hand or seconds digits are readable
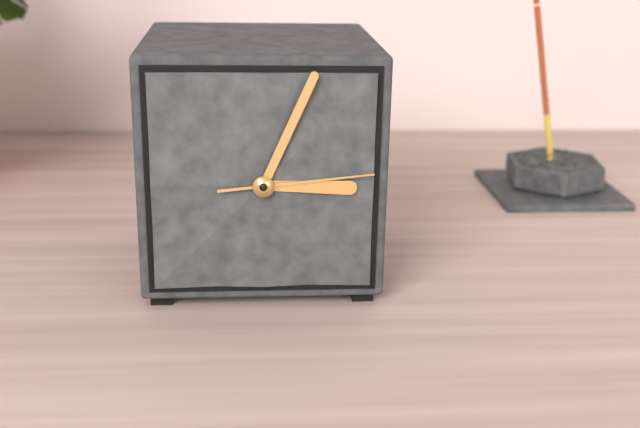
3:04:14
